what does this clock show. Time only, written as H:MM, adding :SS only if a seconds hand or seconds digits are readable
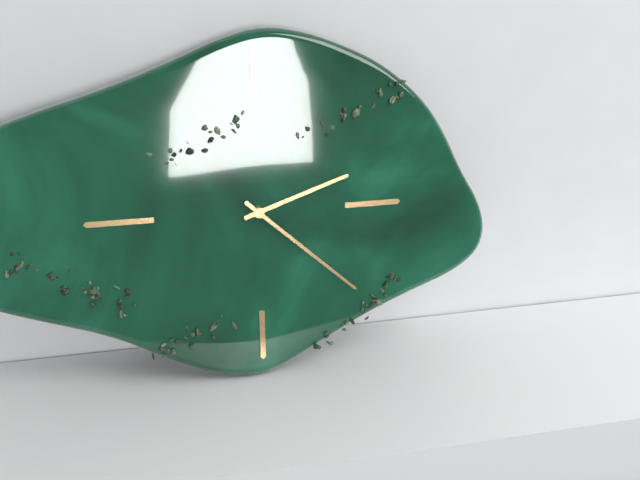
2:22
